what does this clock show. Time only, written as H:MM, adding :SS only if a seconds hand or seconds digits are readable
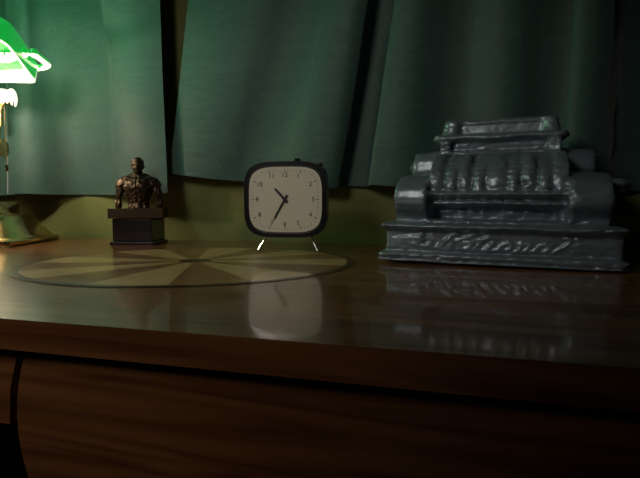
10:35
